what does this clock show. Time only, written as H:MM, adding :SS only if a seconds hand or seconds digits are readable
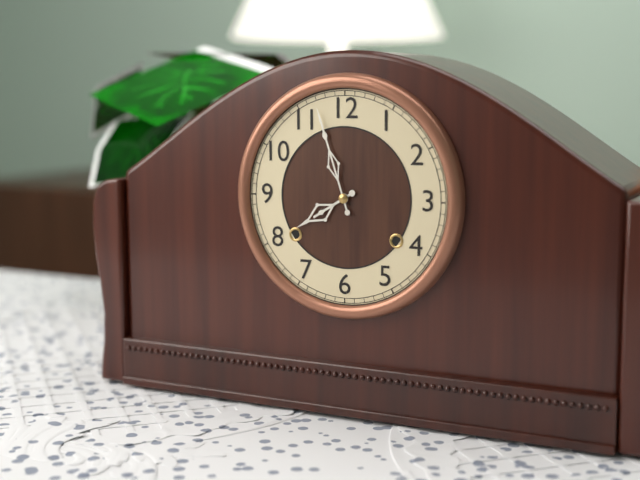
7:57
